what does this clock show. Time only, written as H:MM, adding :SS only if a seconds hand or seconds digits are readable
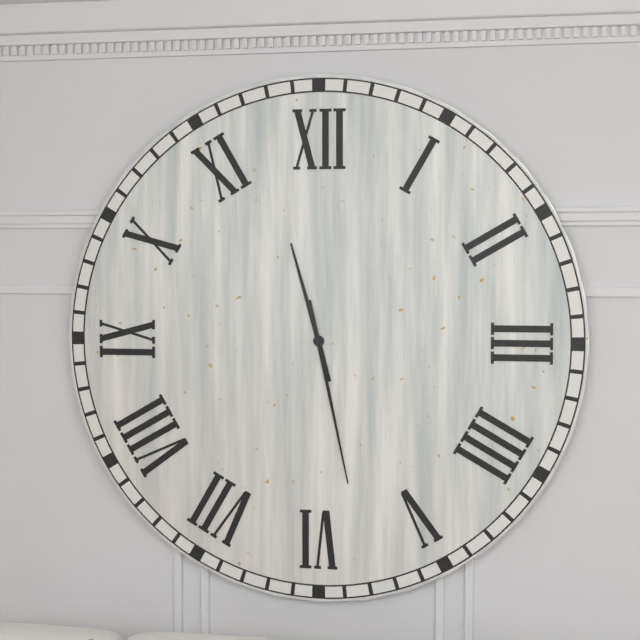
11:28
